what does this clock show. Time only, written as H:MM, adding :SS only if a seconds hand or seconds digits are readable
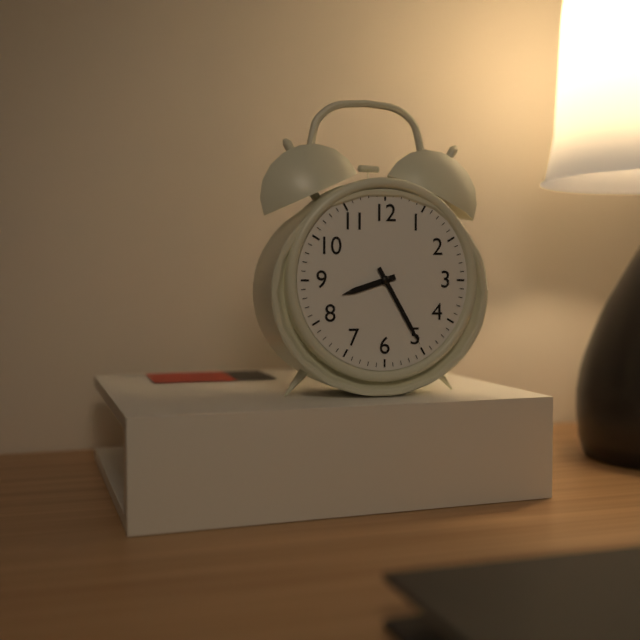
8:25
